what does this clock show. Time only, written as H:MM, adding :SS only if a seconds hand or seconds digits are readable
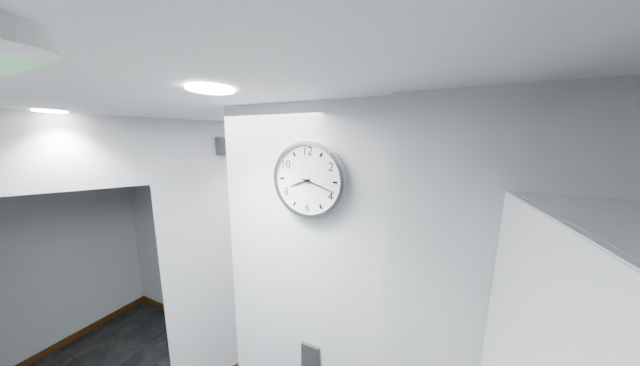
8:18
